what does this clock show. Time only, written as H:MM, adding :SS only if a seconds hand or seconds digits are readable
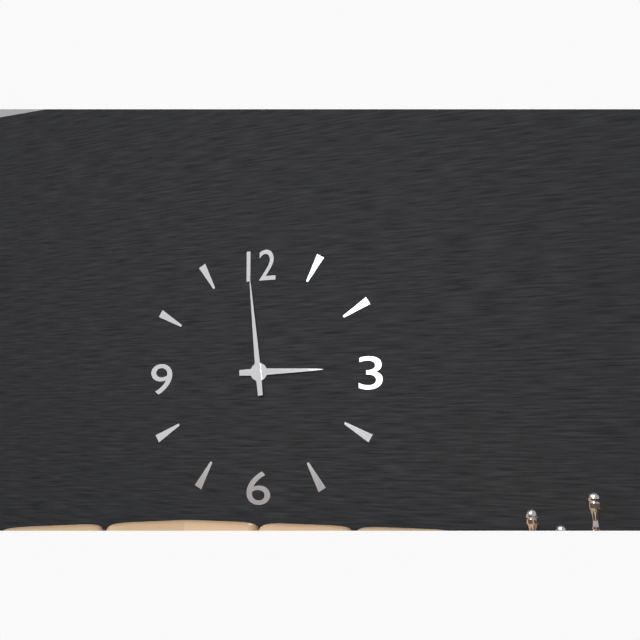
2:59
